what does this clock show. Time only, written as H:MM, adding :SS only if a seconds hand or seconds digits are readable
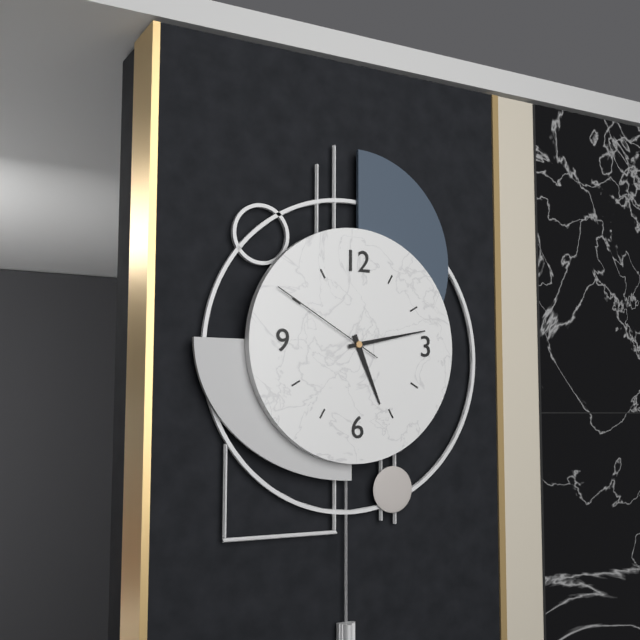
5:13:50
